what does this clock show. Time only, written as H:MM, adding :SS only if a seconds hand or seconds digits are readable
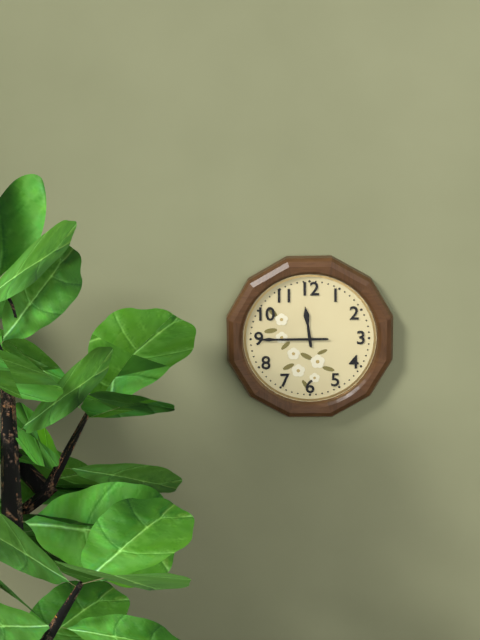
11:45
